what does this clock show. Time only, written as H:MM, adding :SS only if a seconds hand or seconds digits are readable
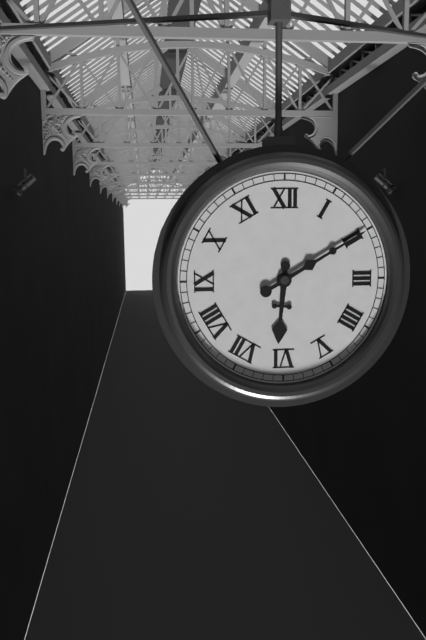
6:10
